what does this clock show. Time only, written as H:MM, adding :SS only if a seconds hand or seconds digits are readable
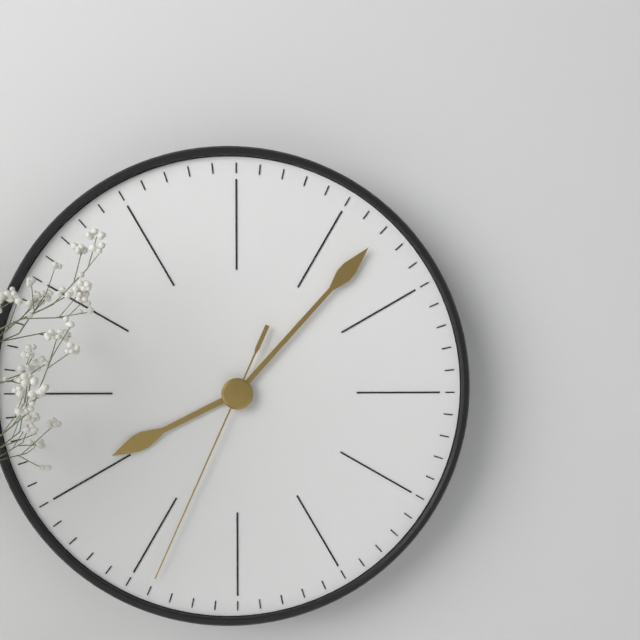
8:07:34
